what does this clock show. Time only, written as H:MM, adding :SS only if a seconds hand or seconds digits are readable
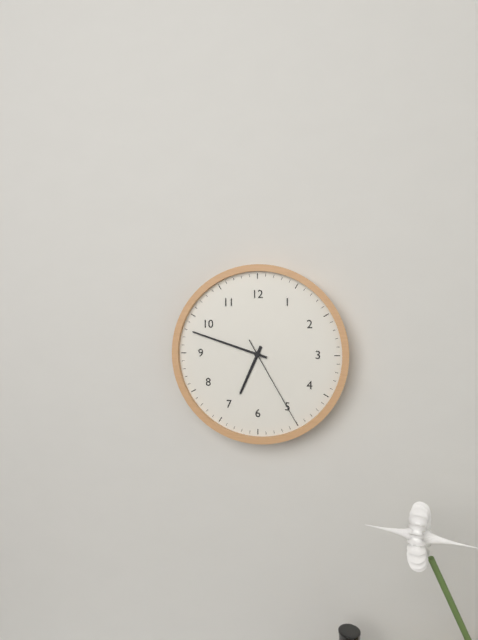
6:48:25
